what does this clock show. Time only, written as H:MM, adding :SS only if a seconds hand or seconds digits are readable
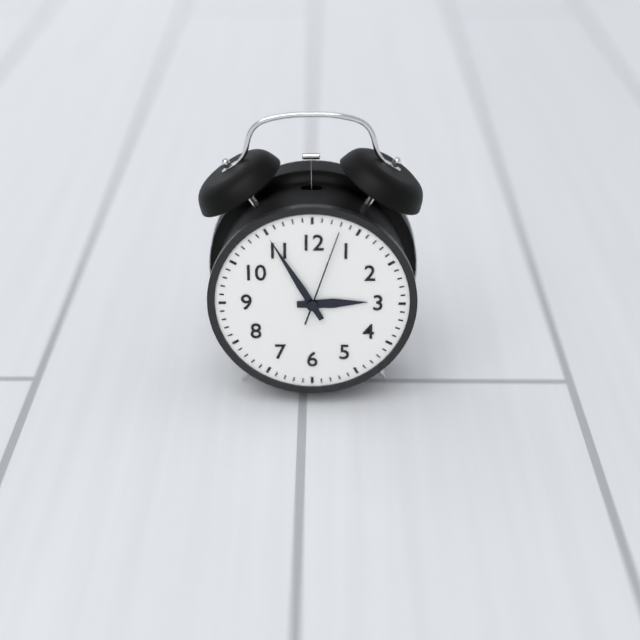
2:55:03
